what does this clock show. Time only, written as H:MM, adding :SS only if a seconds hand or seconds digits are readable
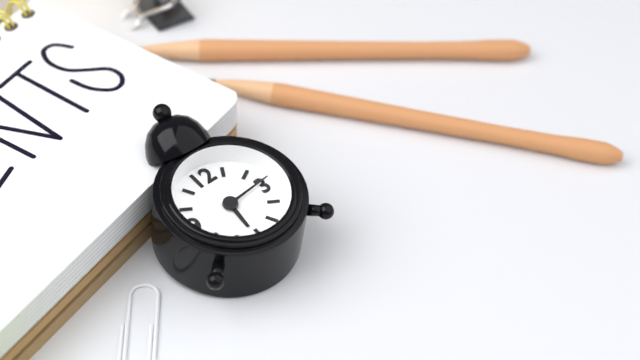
6:14
